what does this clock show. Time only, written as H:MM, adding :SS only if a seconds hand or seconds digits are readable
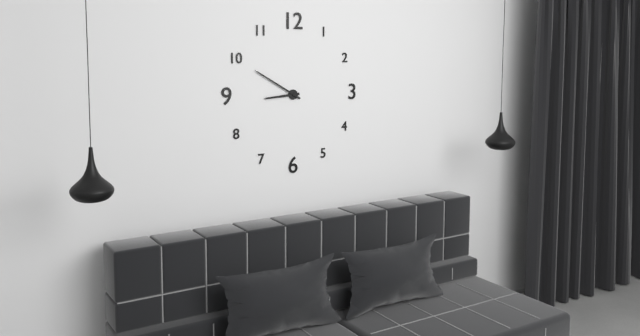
8:50
